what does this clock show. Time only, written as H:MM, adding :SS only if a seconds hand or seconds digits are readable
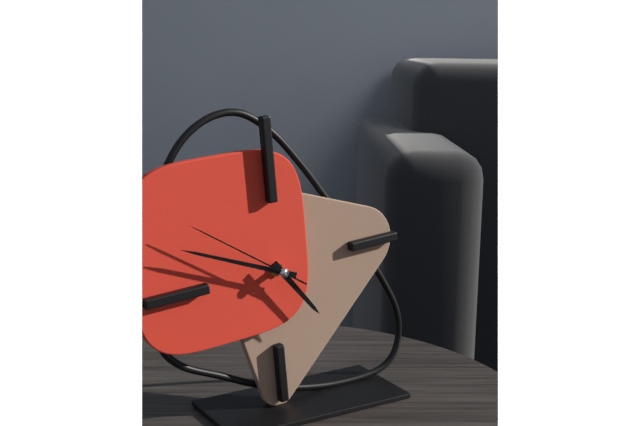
4:49:51
